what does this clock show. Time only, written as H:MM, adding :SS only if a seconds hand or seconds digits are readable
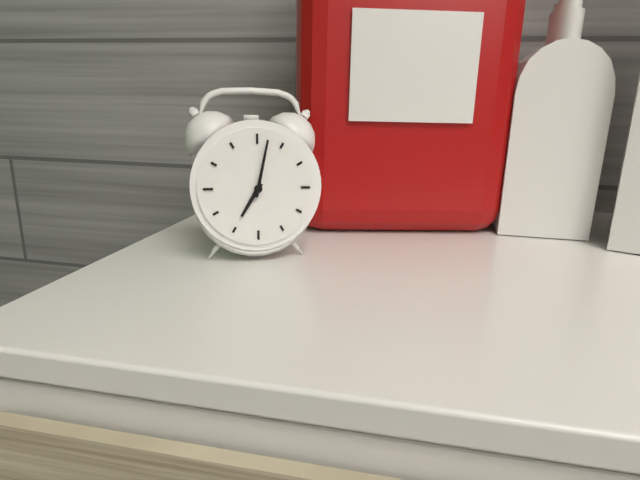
7:02
